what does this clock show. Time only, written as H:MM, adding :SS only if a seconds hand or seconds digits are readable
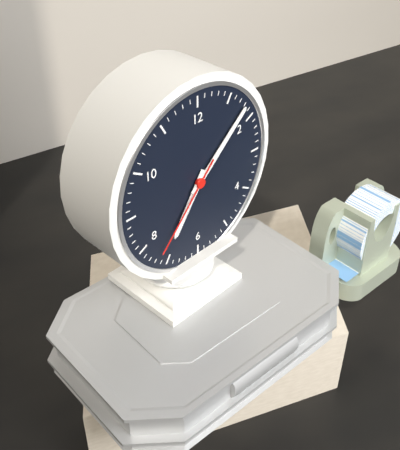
7:08:37
